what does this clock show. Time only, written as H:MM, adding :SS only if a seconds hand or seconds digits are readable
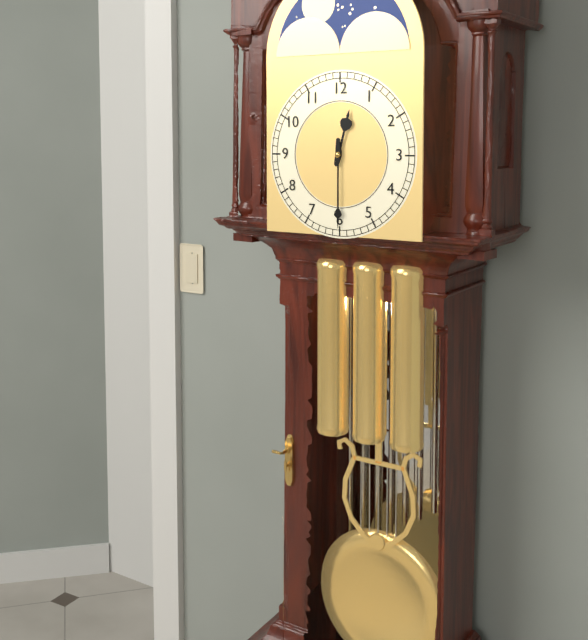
12:30
